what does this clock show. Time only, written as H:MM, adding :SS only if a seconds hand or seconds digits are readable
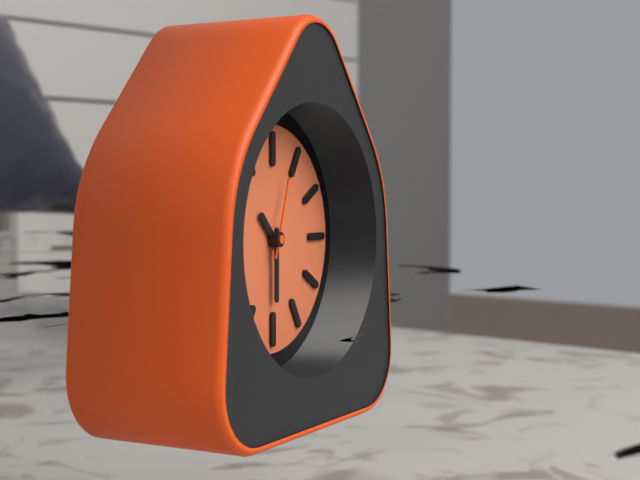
10:30:03
